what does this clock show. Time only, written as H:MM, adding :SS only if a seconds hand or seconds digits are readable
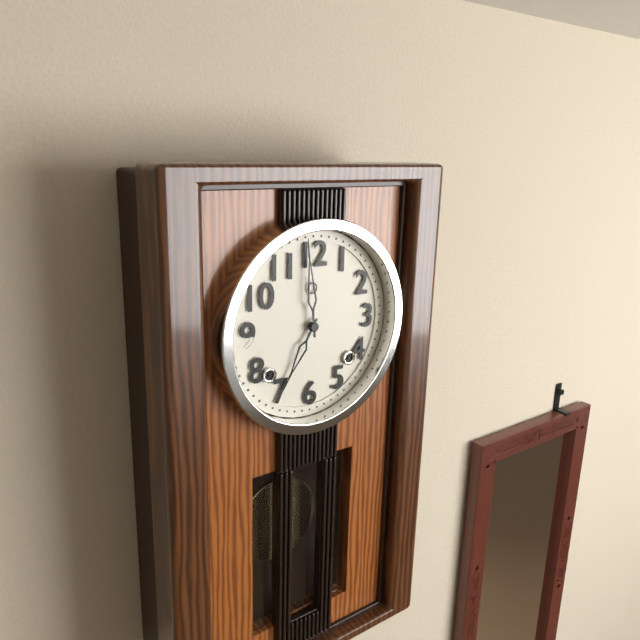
6:59
